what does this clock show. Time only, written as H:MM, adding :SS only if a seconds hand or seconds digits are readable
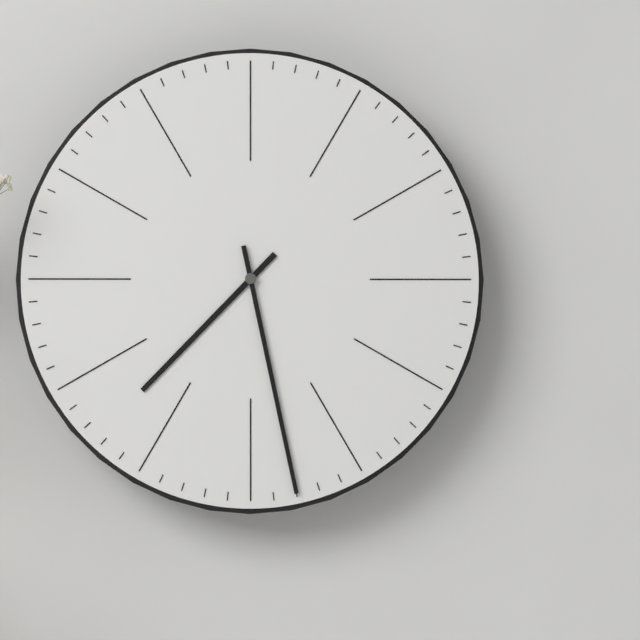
7:28
